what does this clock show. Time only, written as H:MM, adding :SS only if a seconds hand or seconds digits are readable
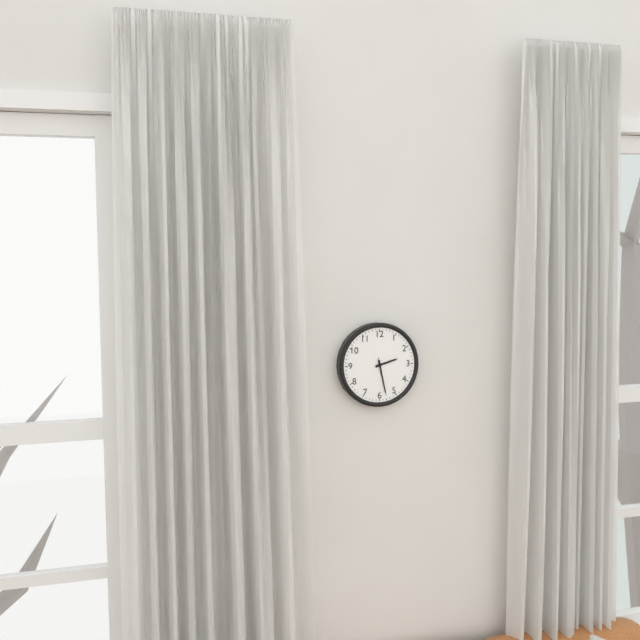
2:28
